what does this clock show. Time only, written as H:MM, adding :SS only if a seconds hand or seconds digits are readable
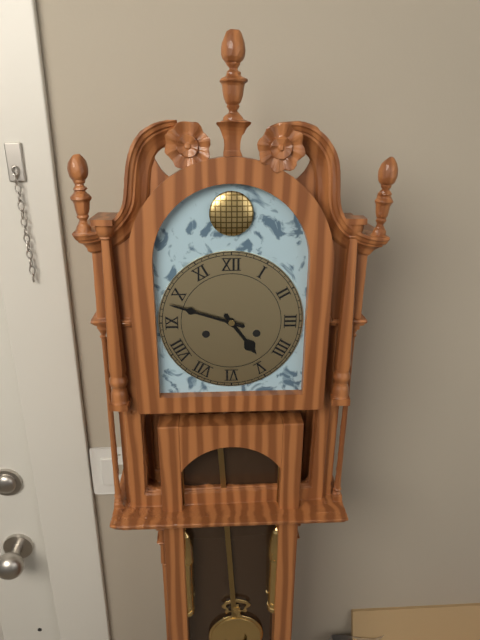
4:48
